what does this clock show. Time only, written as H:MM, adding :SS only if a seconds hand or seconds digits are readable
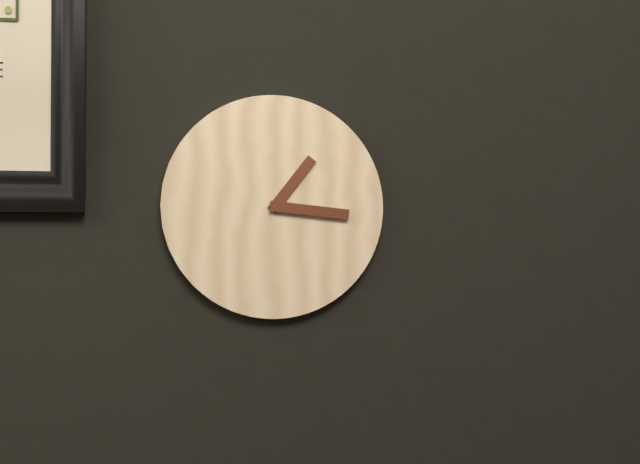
1:16
